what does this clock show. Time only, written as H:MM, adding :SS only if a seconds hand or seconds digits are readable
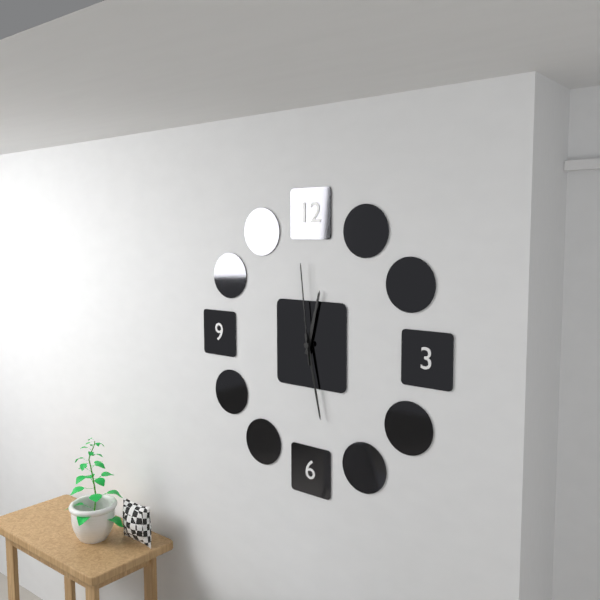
12:28:59
